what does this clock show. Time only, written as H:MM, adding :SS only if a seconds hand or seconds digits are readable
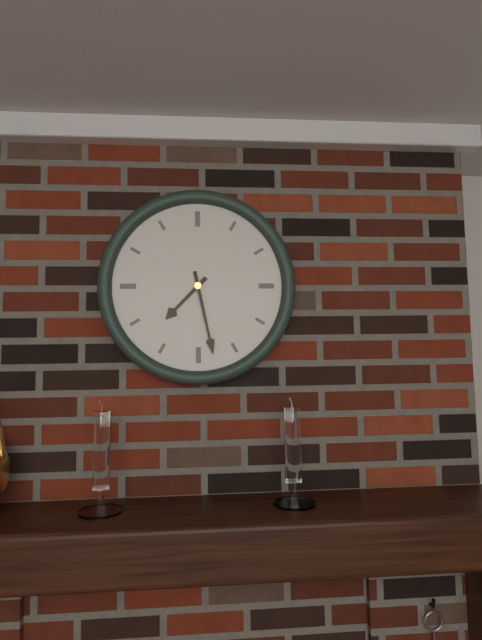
7:28
